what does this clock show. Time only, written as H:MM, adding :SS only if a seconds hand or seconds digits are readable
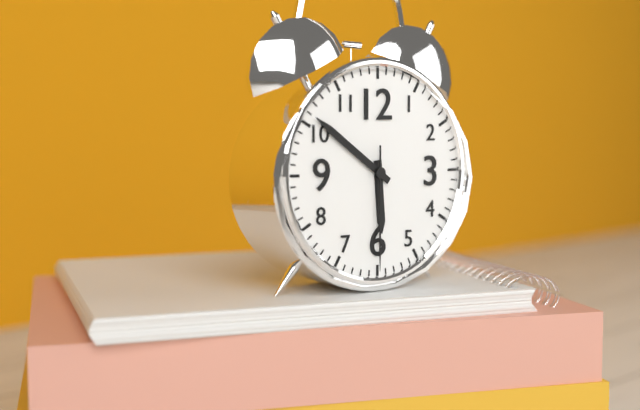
5:51:30
